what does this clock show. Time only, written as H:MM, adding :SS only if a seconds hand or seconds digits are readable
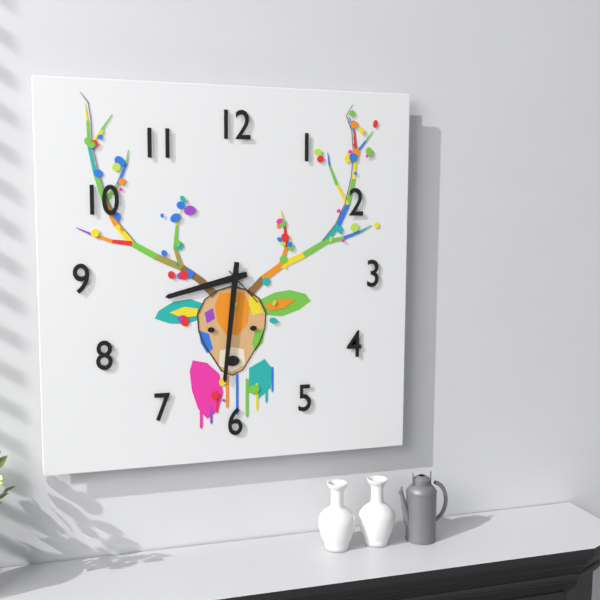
8:31
